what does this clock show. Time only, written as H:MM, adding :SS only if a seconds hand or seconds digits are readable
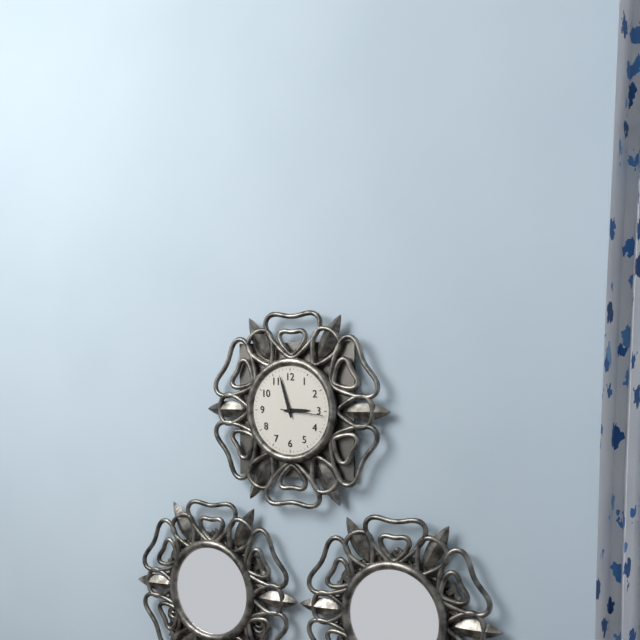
2:57
